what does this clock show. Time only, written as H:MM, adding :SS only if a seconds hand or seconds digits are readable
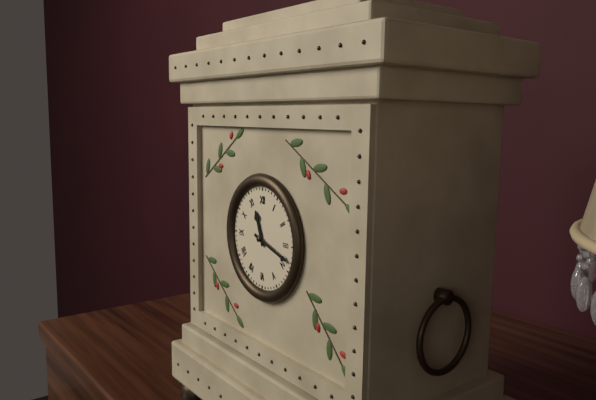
11:18
